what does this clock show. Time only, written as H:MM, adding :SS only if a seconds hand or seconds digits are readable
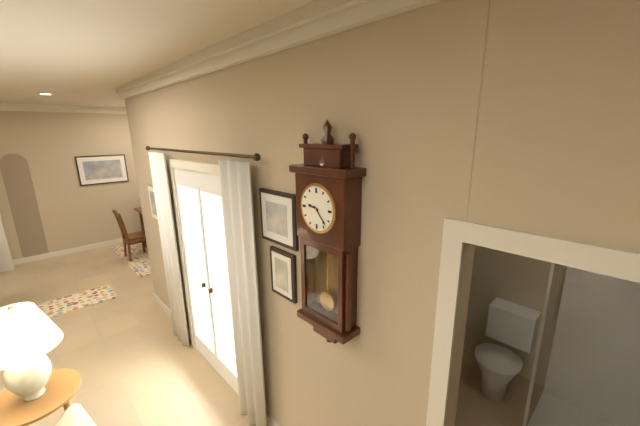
9:23
